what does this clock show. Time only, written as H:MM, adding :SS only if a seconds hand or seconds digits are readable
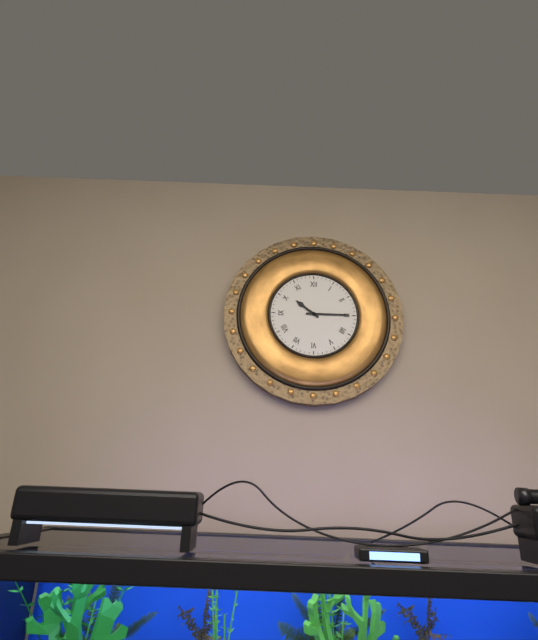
10:15
